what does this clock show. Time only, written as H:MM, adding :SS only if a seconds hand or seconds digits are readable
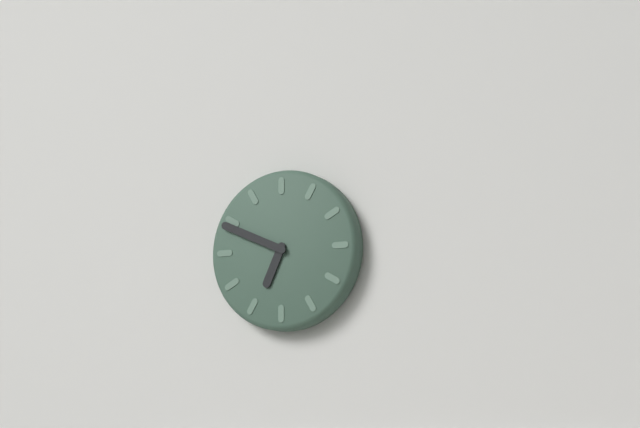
6:49
